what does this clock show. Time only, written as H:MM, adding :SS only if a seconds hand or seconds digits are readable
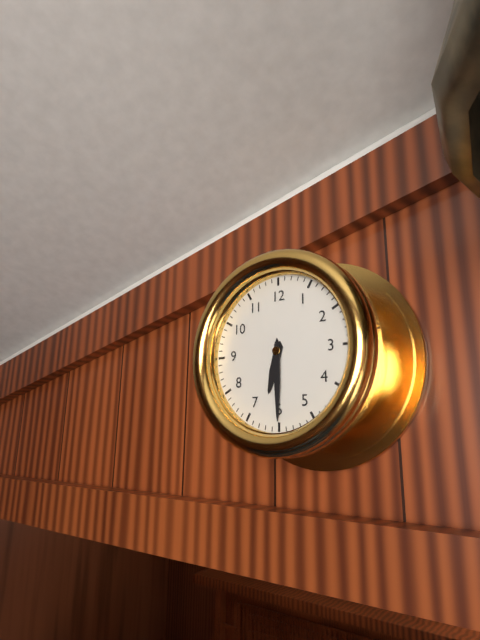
6:30
